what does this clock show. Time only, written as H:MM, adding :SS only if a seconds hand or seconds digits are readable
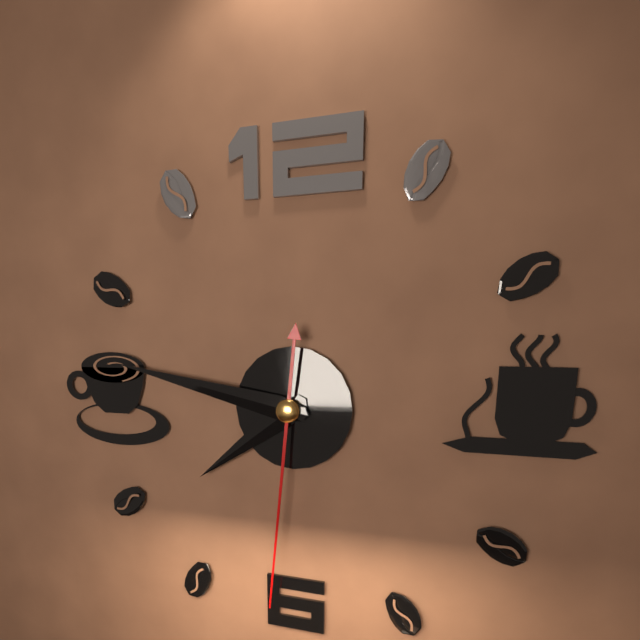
7:47:31
